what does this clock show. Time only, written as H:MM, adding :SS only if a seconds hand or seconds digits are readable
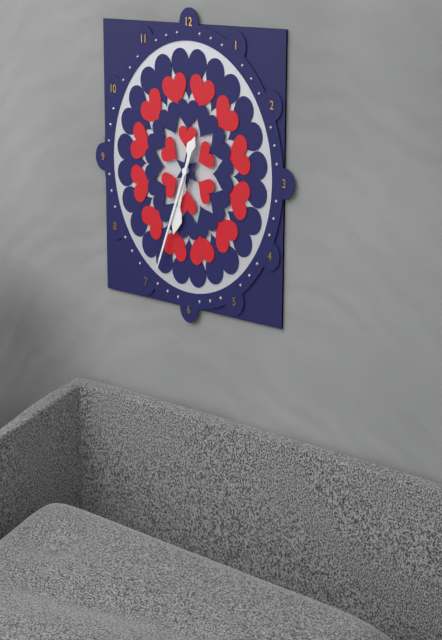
6:34
